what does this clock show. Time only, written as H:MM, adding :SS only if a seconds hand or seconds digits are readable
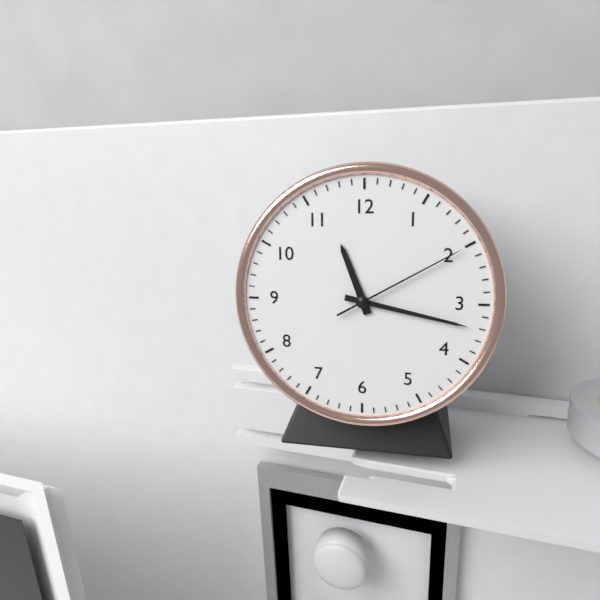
11:17:10
